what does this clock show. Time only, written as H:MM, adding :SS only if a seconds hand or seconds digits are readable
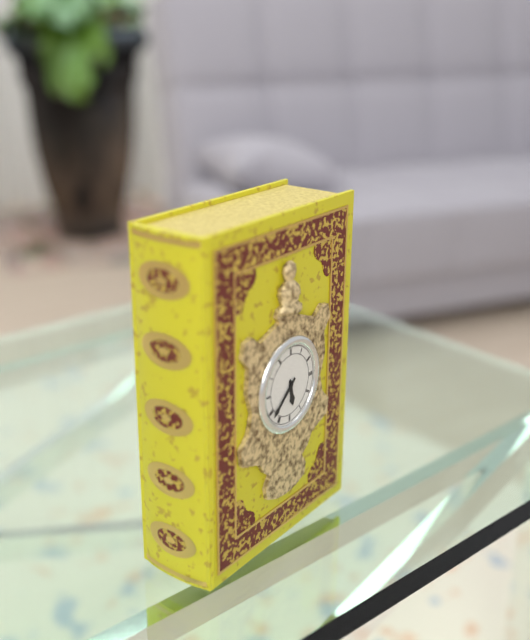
5:38
